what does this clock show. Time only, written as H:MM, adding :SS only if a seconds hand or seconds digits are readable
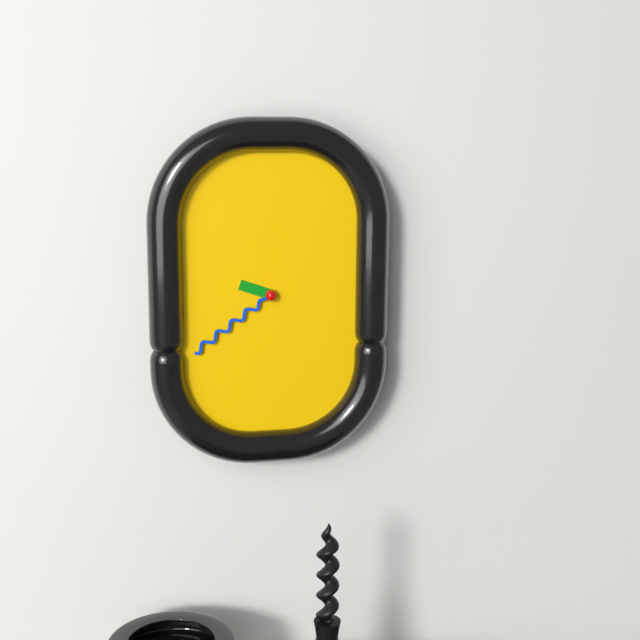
9:39
